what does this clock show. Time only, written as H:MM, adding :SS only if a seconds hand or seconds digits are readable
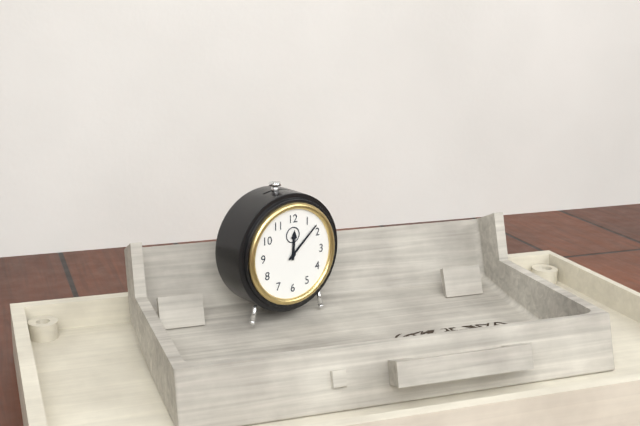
12:08
